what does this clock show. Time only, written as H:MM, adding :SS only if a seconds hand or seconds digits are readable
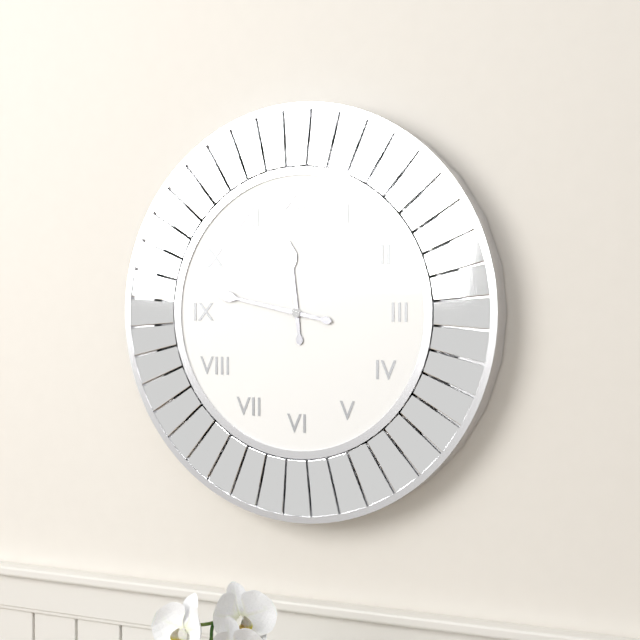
11:47
